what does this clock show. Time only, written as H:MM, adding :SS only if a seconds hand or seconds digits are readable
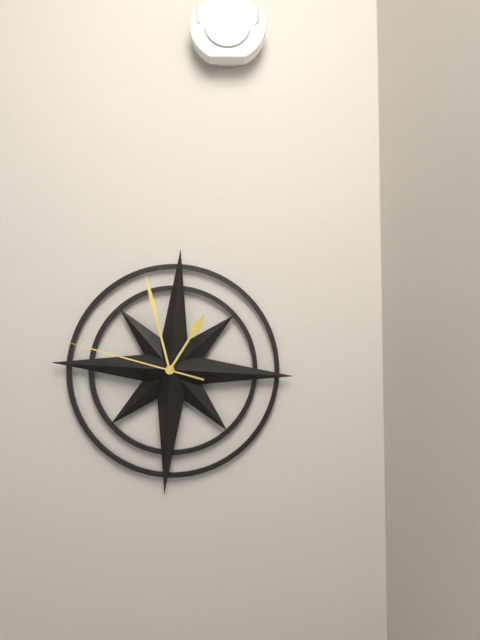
12:57:47
